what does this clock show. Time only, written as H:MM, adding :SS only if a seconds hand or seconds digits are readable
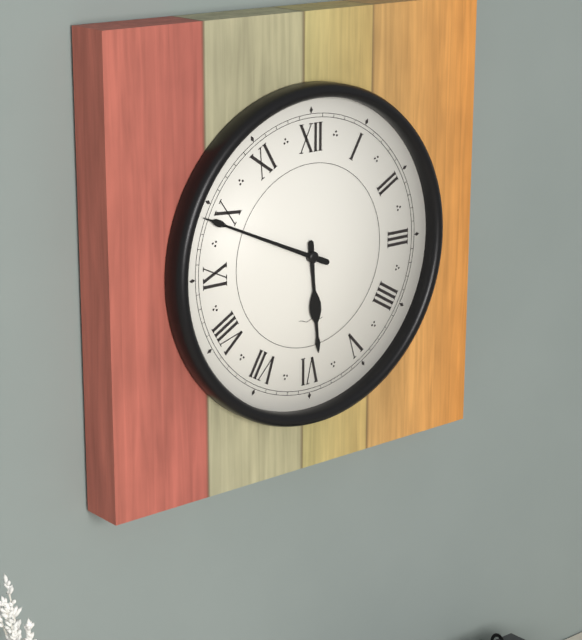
5:49
